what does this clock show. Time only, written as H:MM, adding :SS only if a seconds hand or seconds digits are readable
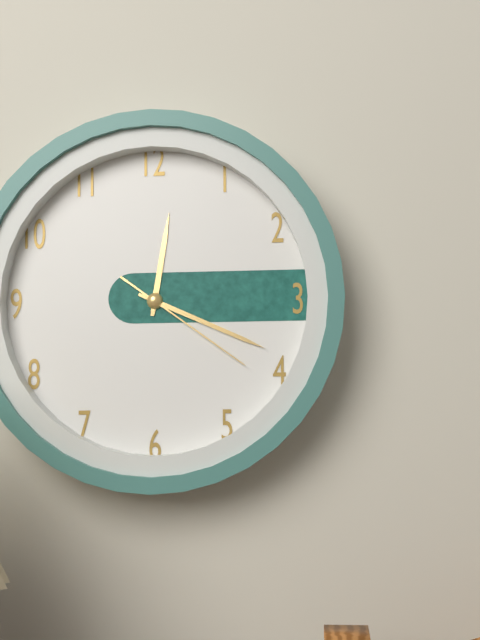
12:19:21
